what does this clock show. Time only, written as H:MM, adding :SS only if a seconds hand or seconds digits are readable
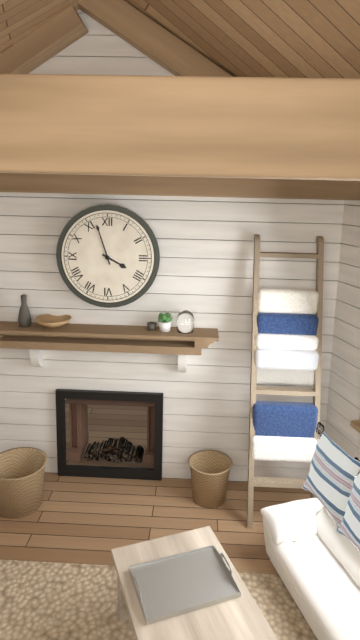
3:57
